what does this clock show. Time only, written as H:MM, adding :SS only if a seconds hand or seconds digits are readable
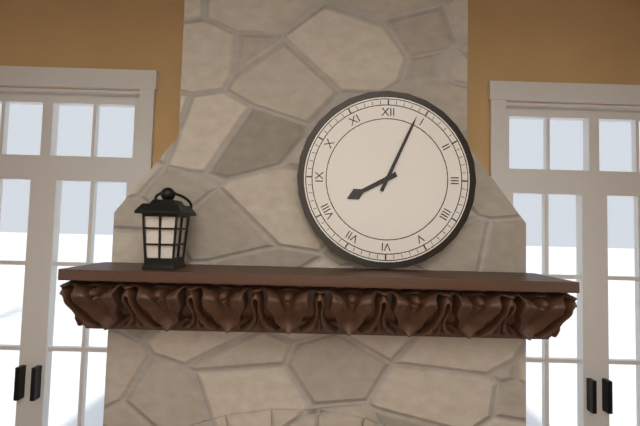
8:04
